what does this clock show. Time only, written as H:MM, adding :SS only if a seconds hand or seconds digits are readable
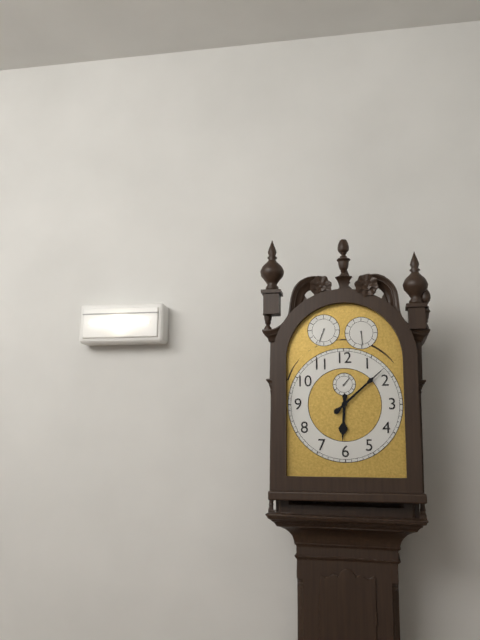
6:08
